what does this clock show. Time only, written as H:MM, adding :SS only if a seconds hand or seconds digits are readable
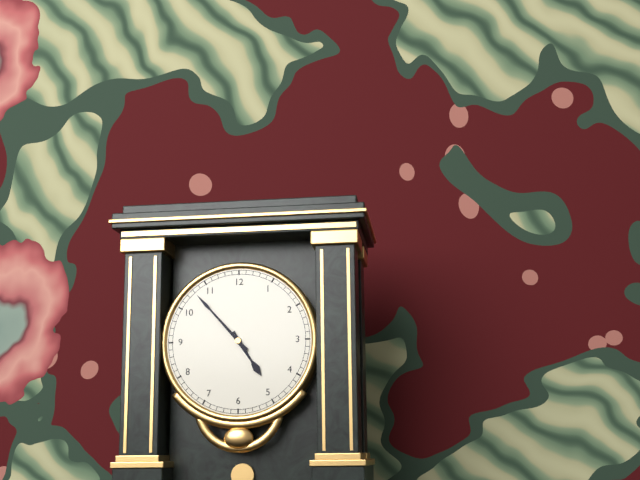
4:53
